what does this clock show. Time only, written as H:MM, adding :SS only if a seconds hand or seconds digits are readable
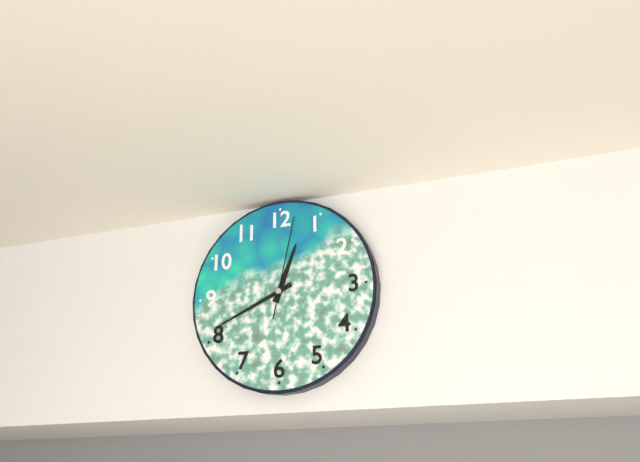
12:41:02
